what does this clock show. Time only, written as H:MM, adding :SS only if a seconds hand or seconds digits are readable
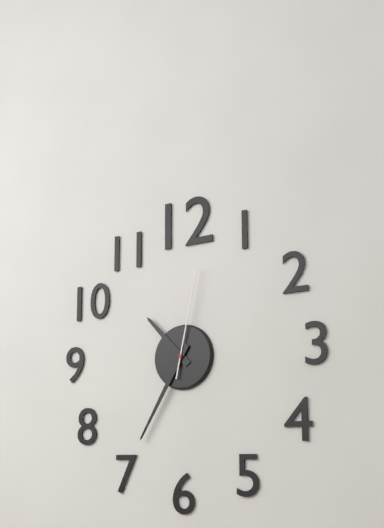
10:35:02
